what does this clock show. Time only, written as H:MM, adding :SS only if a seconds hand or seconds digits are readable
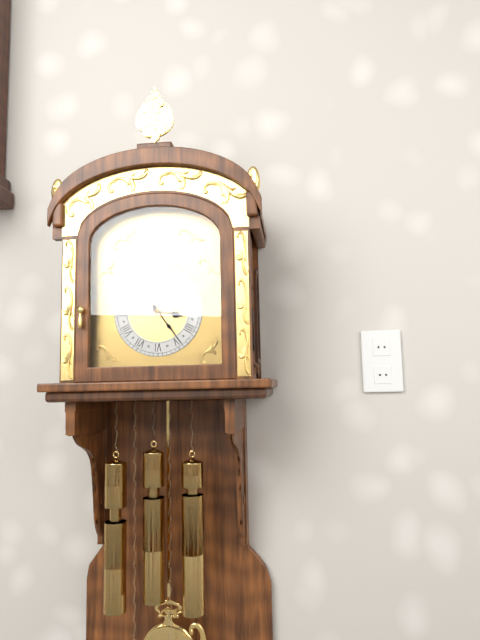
3:24
